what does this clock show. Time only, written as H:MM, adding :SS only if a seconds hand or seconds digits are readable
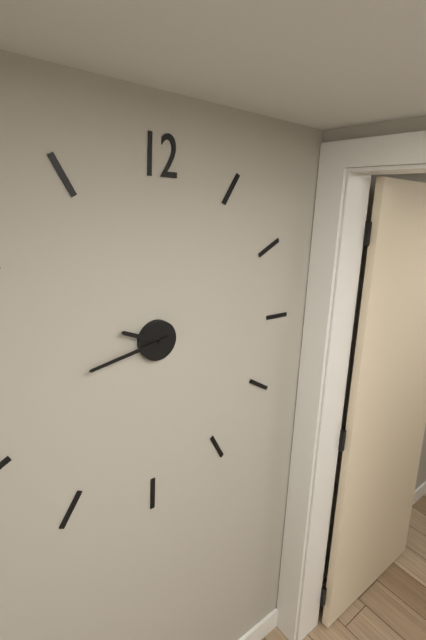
9:43
